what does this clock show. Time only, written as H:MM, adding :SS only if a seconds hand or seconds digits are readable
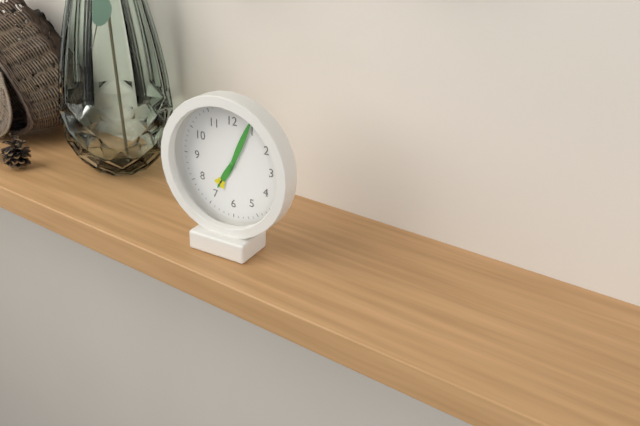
7:04
